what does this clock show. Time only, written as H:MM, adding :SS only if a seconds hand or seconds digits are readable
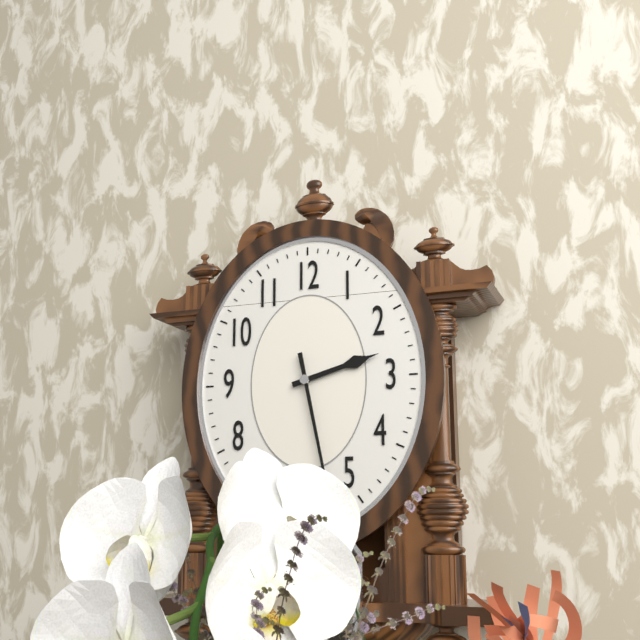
2:28
